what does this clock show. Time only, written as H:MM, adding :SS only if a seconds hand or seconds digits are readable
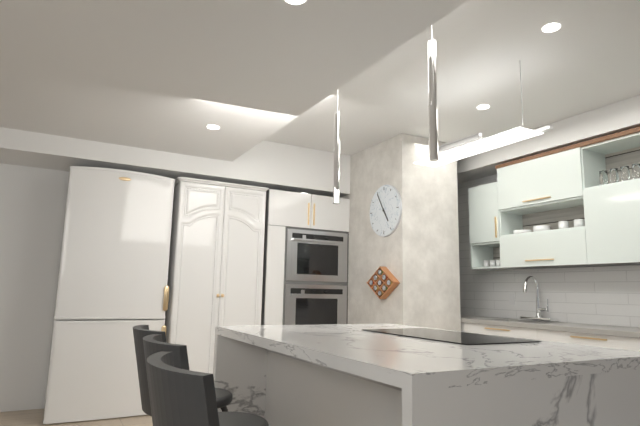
4:55
